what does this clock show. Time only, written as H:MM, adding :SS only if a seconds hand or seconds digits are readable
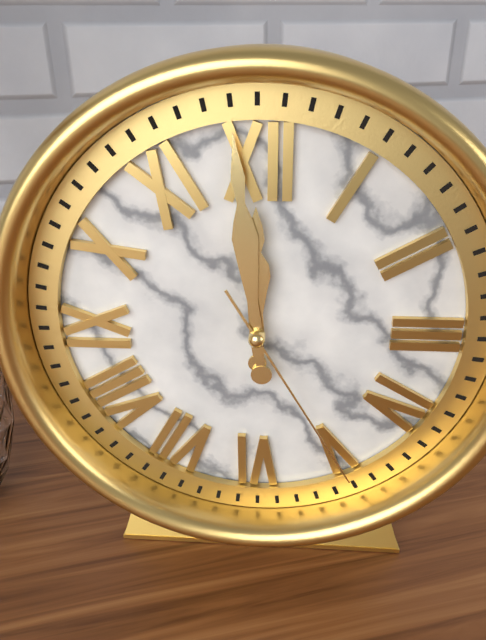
11:59:25
